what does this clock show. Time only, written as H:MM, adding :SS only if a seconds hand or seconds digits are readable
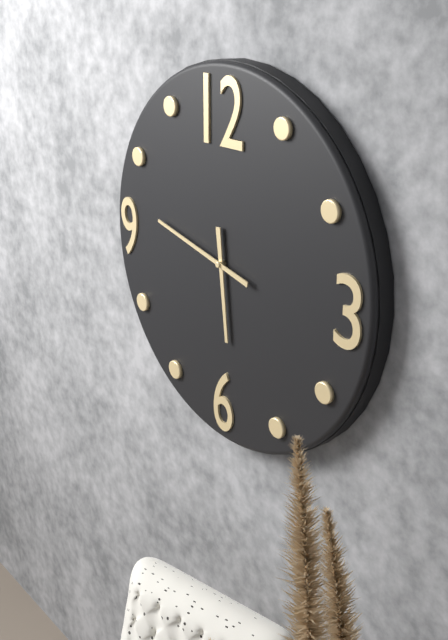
5:47
